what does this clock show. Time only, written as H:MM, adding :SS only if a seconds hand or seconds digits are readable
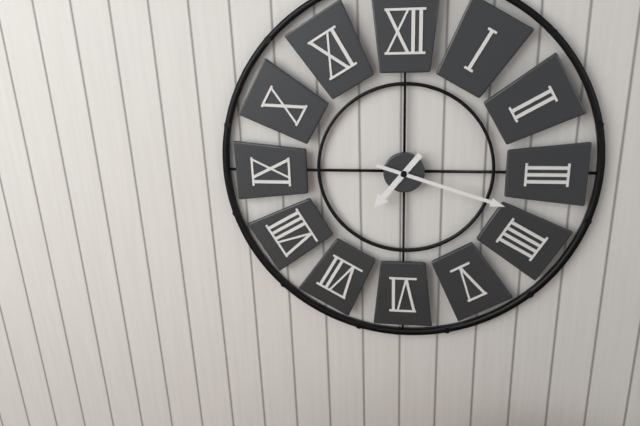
7:18
